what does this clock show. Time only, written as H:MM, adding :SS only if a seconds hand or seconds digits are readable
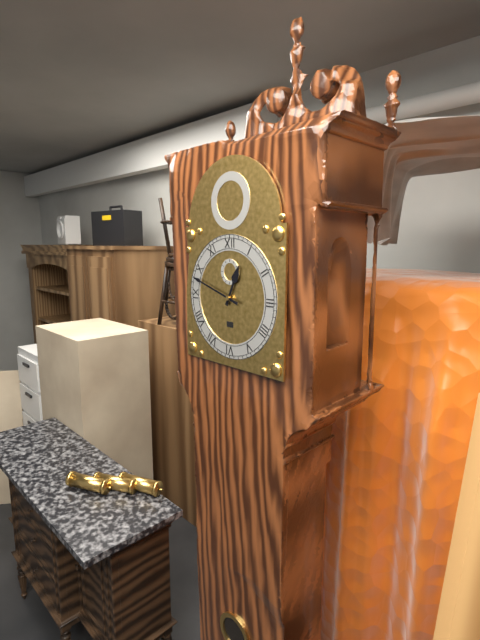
12:48
